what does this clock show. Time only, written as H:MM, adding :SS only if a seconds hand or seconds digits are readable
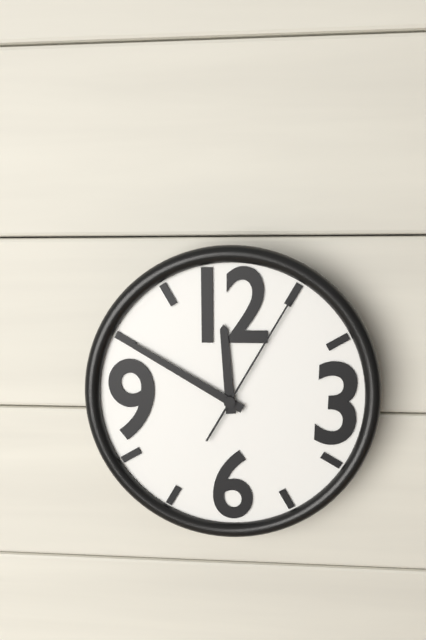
11:50:05
